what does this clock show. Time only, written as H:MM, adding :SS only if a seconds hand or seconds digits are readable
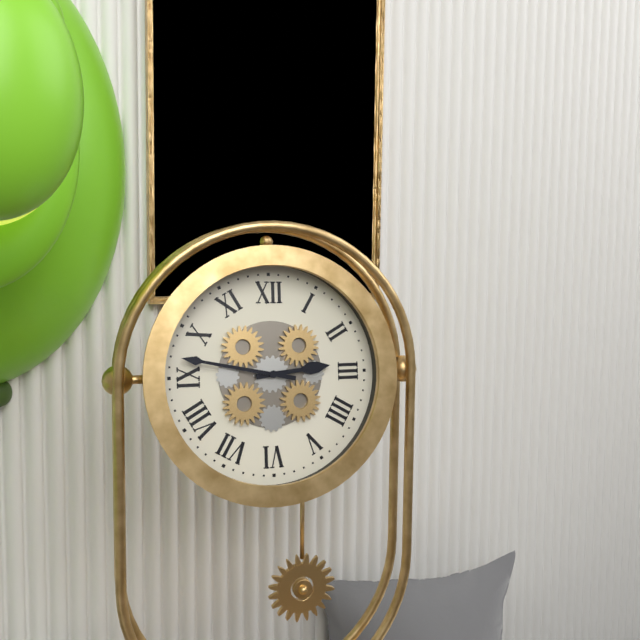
2:47
